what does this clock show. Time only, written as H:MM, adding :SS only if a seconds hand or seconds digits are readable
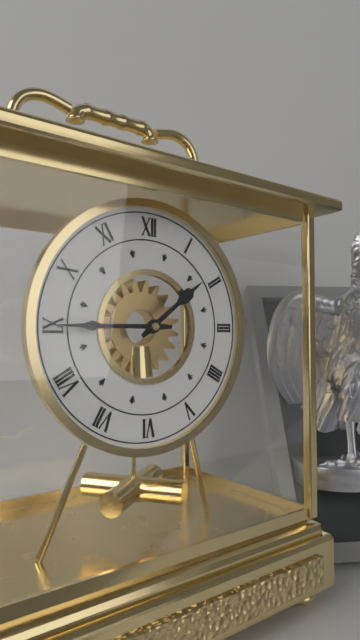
1:45
